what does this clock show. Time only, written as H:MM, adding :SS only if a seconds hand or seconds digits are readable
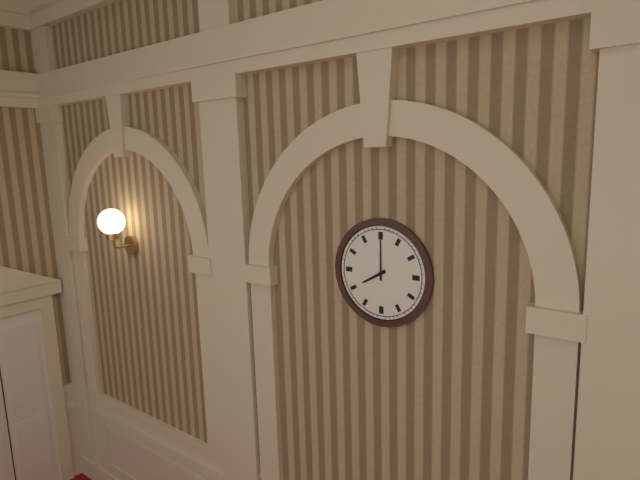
8:00
